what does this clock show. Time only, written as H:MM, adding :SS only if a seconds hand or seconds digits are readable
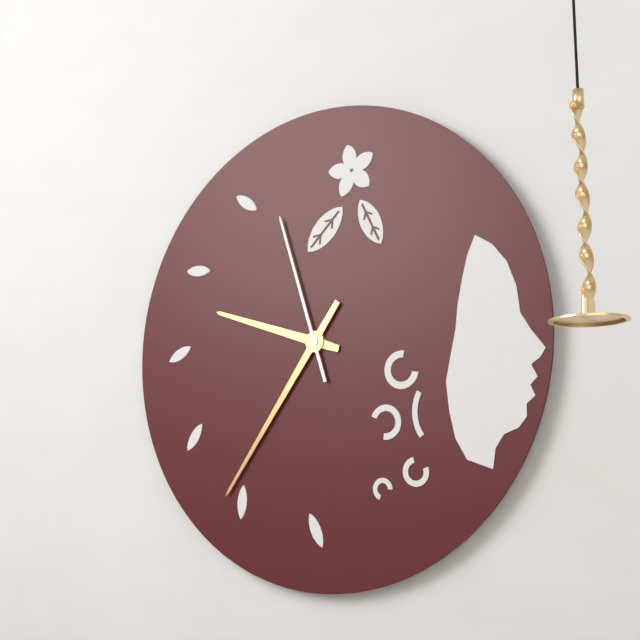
9:36:57
